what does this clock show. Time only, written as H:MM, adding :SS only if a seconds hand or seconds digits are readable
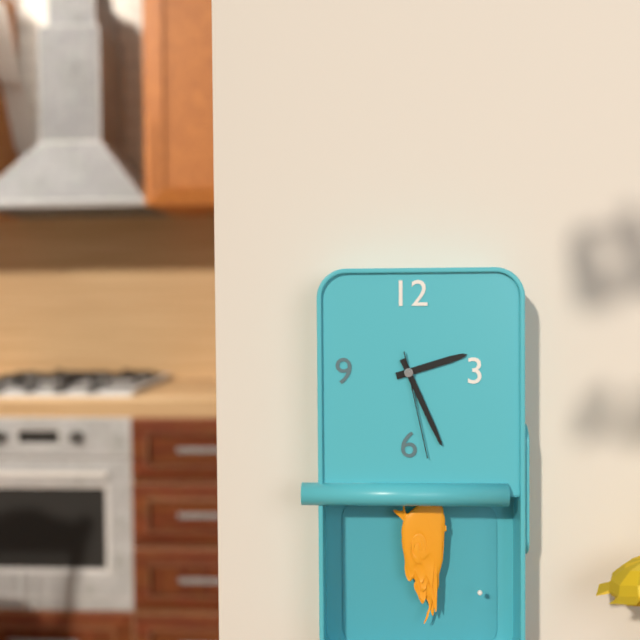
2:26:28
